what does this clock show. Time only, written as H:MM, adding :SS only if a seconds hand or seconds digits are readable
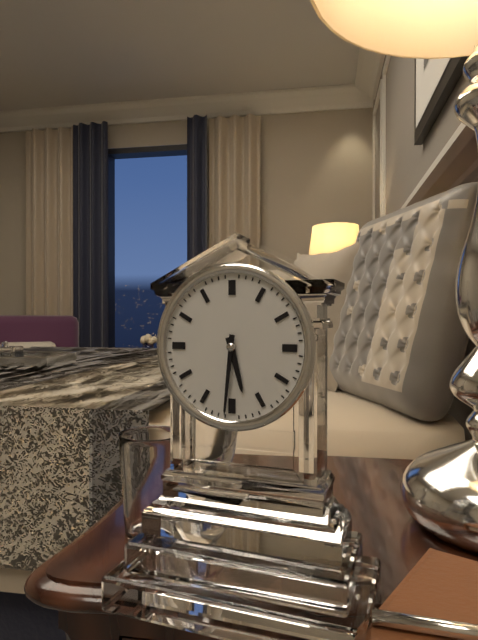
5:31
